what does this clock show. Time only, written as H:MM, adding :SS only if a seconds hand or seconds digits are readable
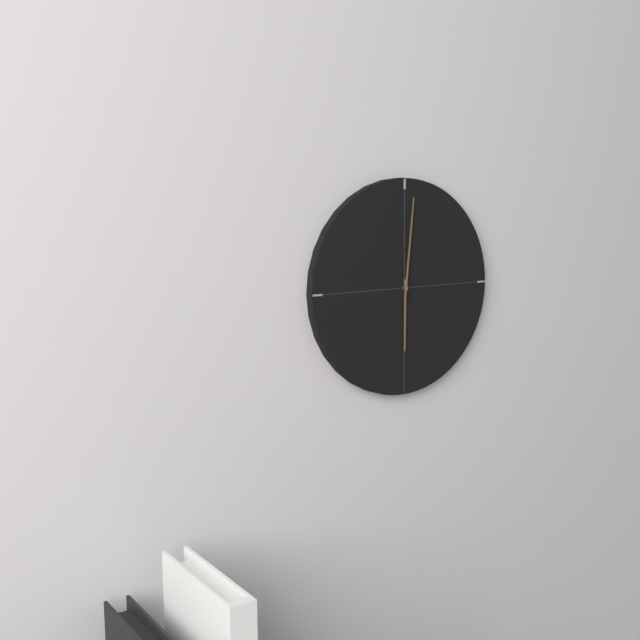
6:01
